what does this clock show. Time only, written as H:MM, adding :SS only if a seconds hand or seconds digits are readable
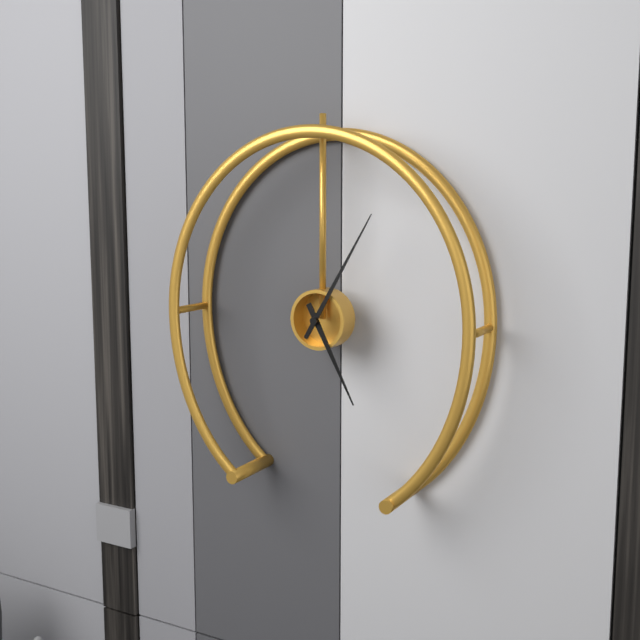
5:05
